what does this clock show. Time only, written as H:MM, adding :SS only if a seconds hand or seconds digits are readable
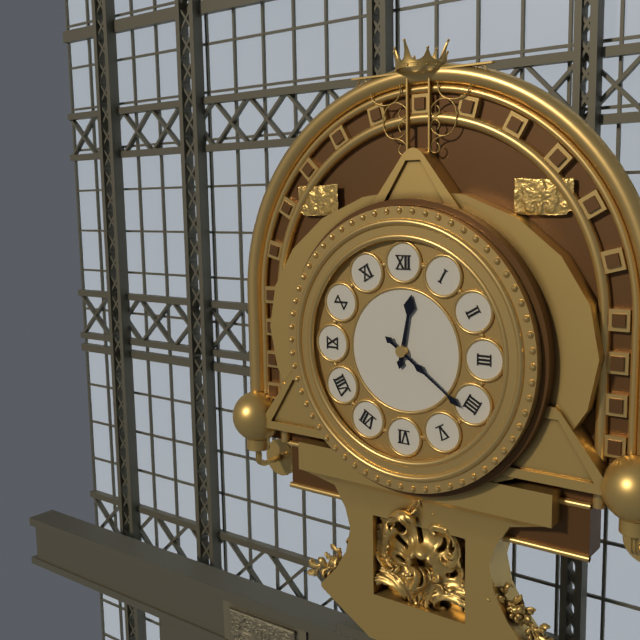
12:21
